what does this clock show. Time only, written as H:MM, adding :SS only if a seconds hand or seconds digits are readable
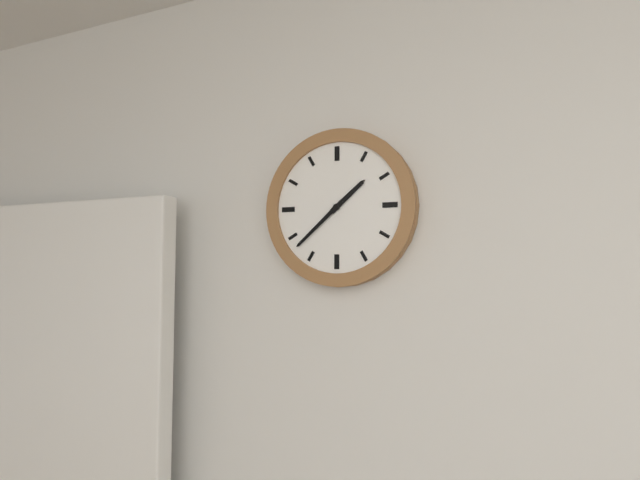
1:38
